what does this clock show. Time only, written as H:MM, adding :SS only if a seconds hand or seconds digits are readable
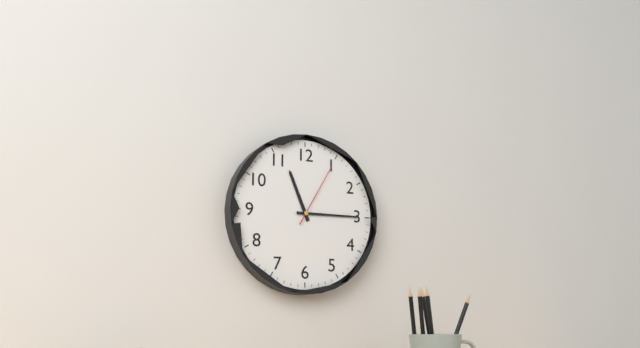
11:15:05
